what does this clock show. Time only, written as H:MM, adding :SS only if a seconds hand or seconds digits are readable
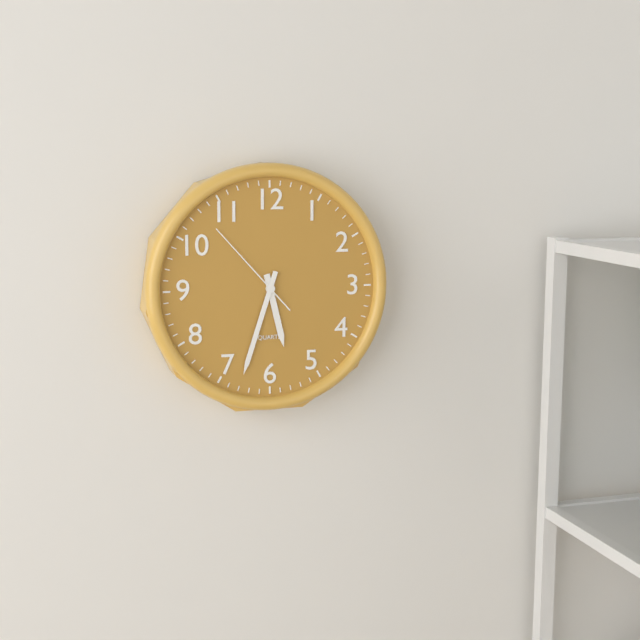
5:33:53
